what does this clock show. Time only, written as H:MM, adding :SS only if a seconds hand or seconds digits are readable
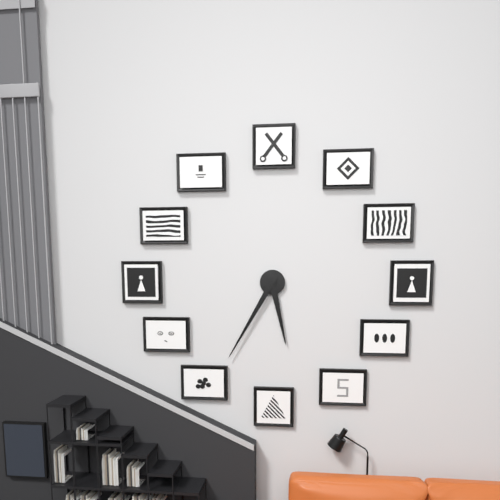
5:35
